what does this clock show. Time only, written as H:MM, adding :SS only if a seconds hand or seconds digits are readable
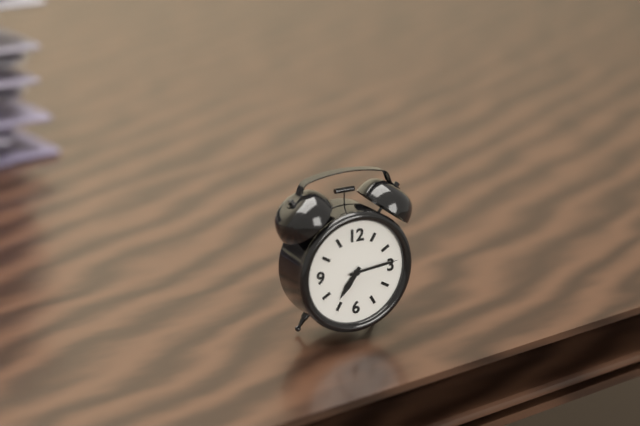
7:14
